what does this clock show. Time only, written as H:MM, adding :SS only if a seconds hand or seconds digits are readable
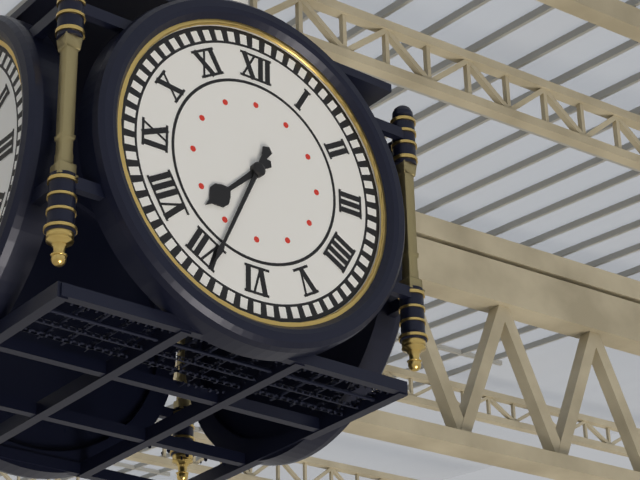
7:34
